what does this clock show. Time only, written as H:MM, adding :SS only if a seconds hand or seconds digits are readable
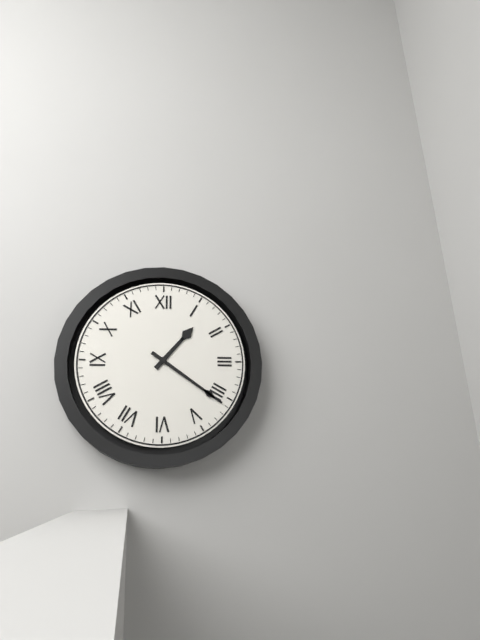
1:21
